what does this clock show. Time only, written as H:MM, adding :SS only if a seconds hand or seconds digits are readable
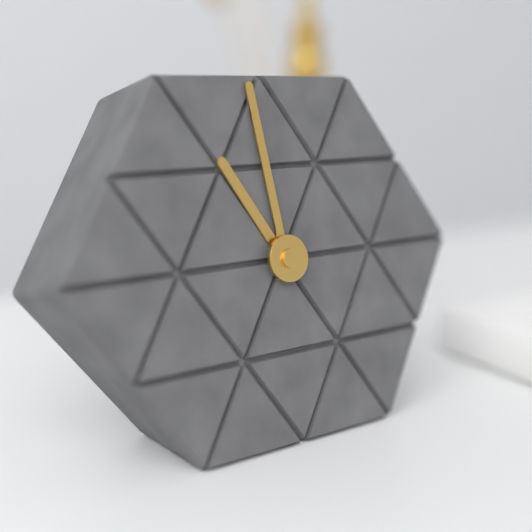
10:59
